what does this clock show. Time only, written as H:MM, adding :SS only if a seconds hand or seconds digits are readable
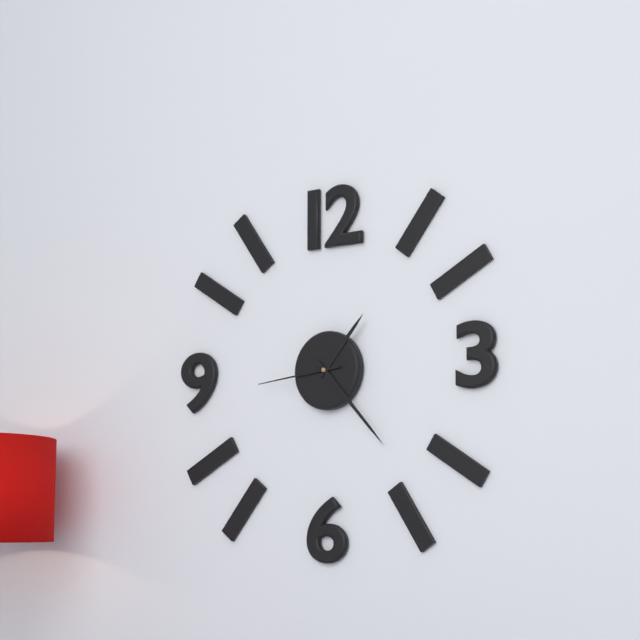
1:23:44
